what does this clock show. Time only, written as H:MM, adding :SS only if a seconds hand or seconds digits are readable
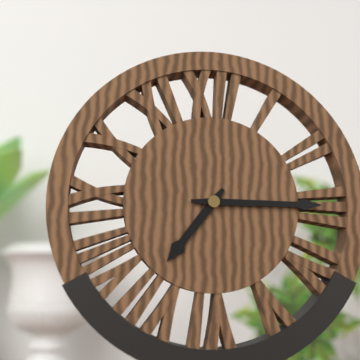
7:15
